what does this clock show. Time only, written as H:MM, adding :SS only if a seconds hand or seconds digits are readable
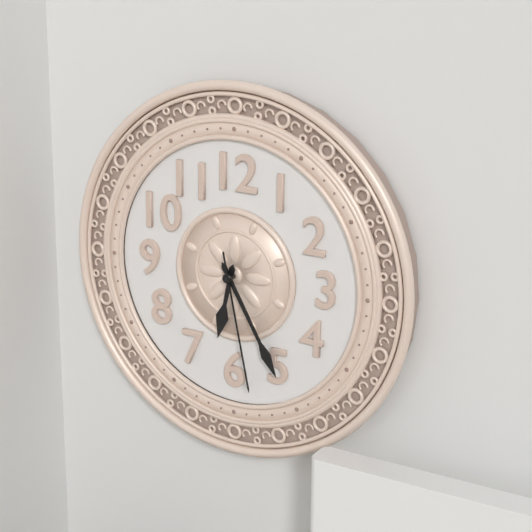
6:25:28
